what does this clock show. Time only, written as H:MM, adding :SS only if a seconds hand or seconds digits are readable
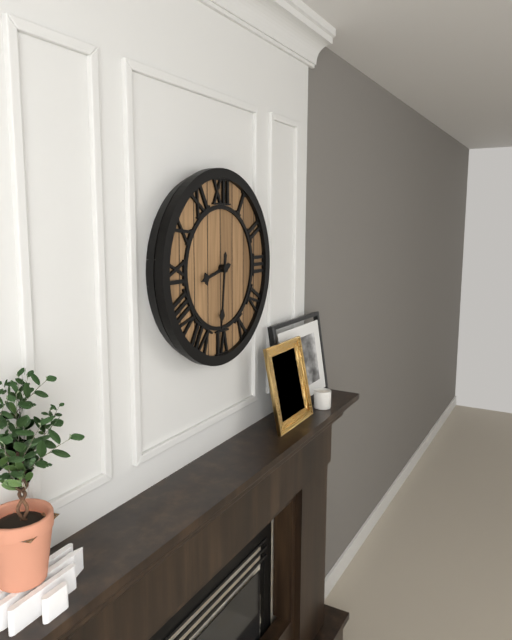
8:31
